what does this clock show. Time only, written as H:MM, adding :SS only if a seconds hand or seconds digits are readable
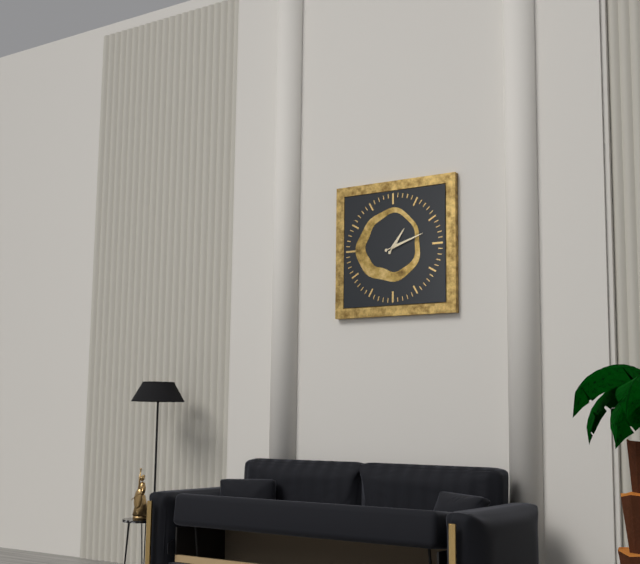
1:12
